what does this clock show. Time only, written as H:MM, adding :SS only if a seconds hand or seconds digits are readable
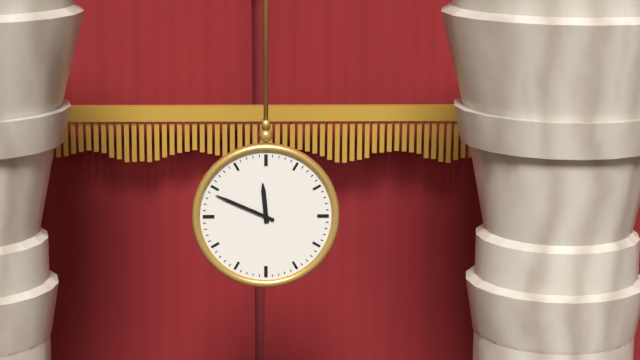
11:49
